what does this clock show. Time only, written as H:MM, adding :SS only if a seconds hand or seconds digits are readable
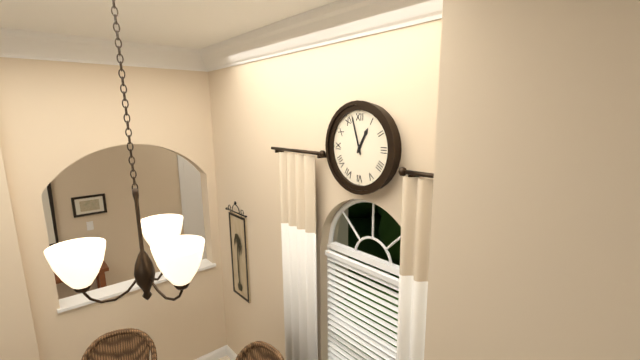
12:57
